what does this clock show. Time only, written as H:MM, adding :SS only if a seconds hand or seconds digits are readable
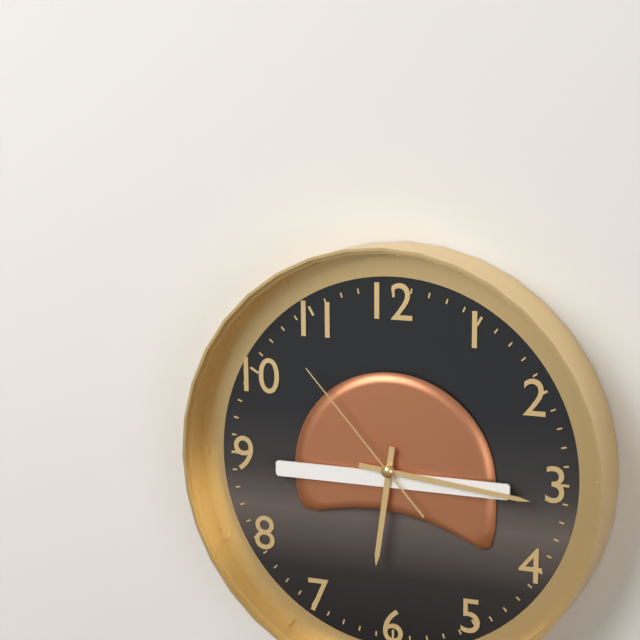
6:16:53
